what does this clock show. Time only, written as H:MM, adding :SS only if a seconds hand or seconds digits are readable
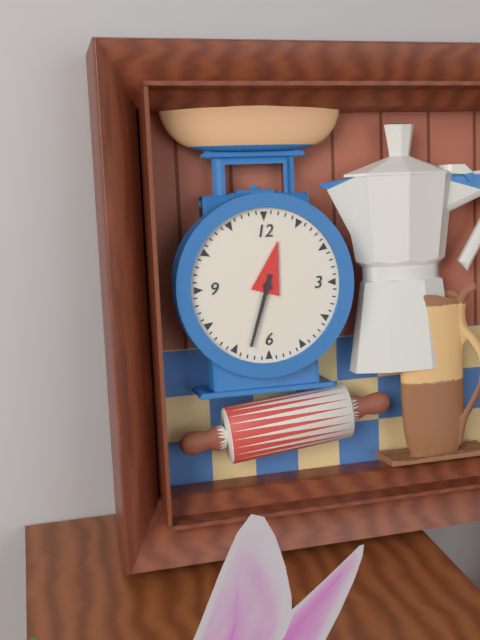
12:33
